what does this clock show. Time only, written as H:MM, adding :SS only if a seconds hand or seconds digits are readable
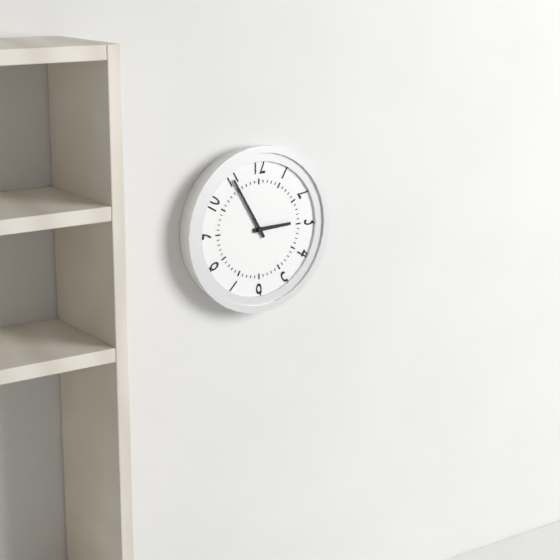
2:55
